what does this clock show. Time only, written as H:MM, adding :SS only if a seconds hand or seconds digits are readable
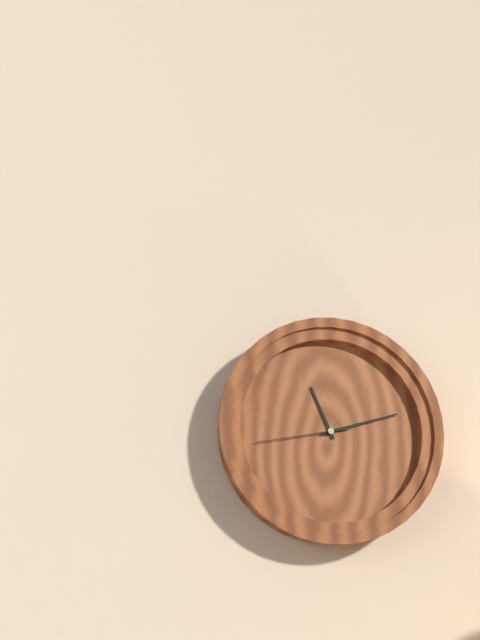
11:12:43
